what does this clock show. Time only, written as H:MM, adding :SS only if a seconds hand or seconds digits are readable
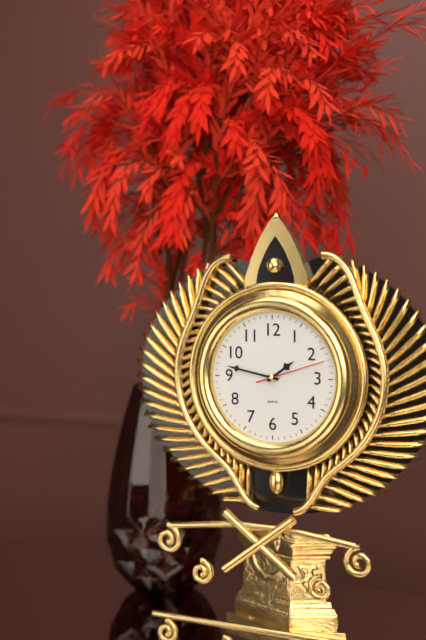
1:47:12
